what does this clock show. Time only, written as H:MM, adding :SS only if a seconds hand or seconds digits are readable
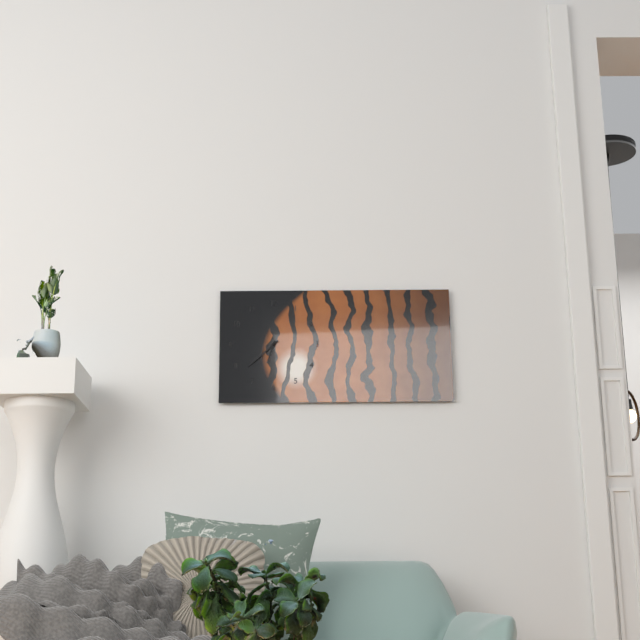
6:38
